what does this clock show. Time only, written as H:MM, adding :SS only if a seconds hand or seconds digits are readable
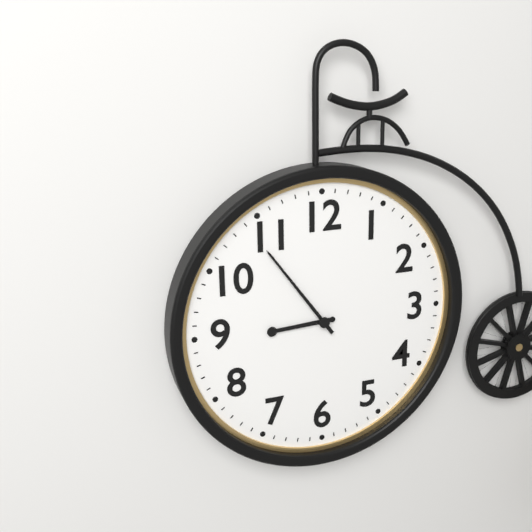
8:54
